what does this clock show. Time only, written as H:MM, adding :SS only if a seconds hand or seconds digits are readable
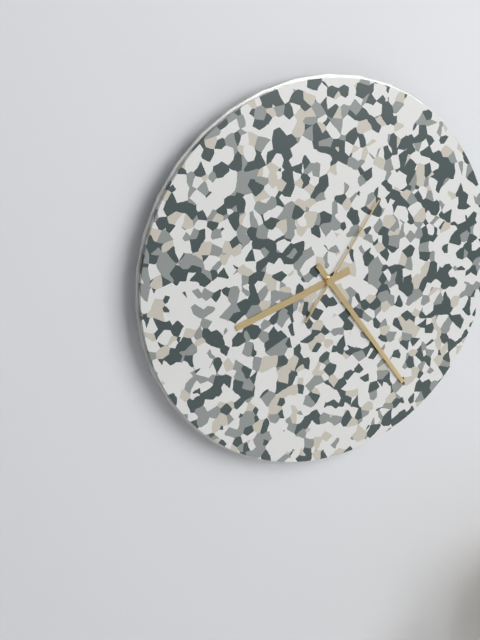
8:24:06
